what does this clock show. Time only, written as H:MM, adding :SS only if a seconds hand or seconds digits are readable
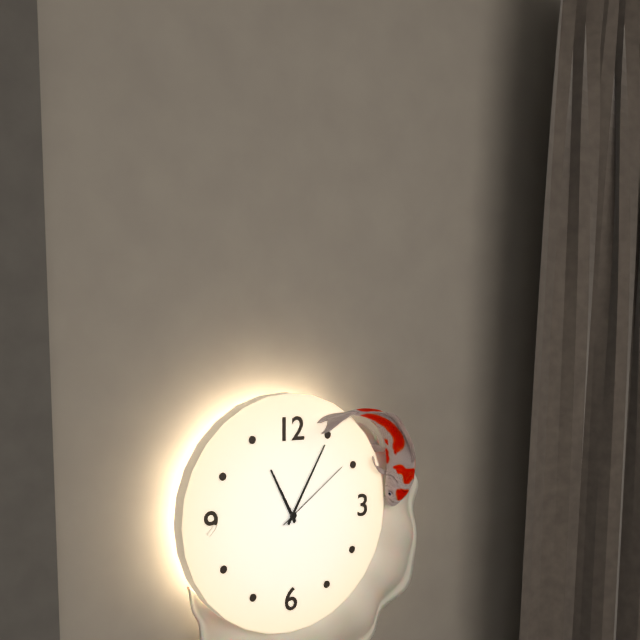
11:05:09
